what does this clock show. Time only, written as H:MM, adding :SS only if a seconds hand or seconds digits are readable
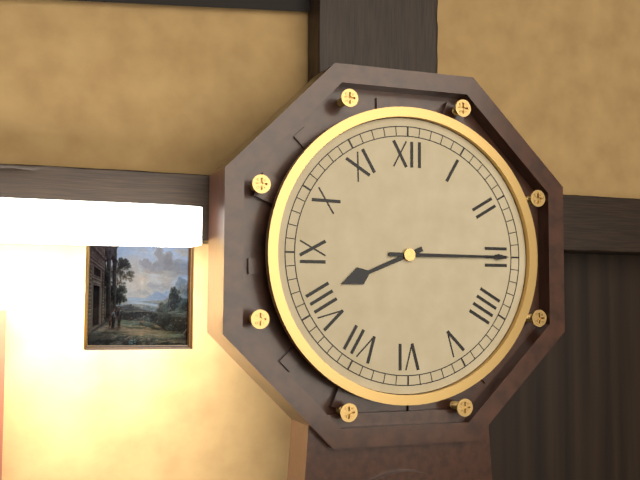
8:15
